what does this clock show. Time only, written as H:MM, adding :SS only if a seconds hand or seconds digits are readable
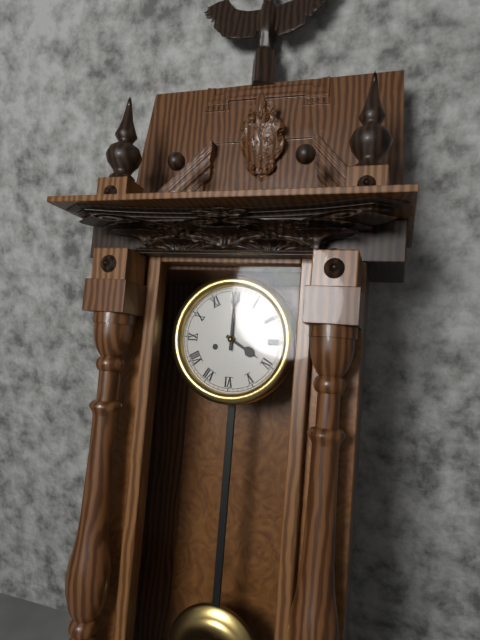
4:00
